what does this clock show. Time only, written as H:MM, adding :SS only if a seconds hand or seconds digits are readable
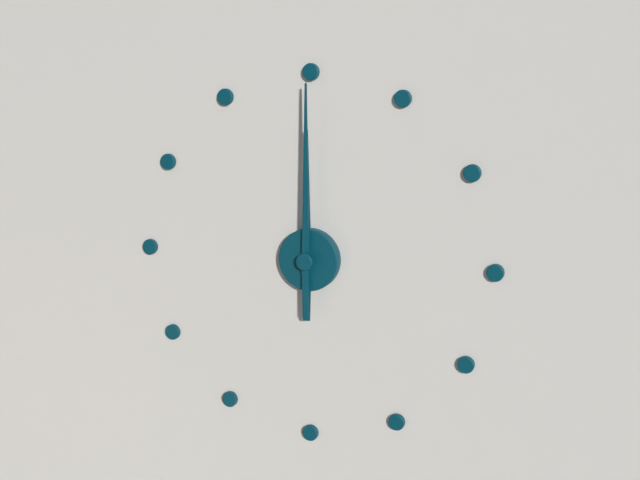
12:00
